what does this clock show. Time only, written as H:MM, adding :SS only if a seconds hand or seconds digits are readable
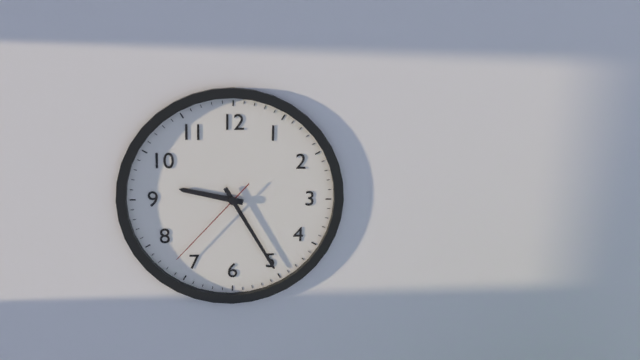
9:25:37
